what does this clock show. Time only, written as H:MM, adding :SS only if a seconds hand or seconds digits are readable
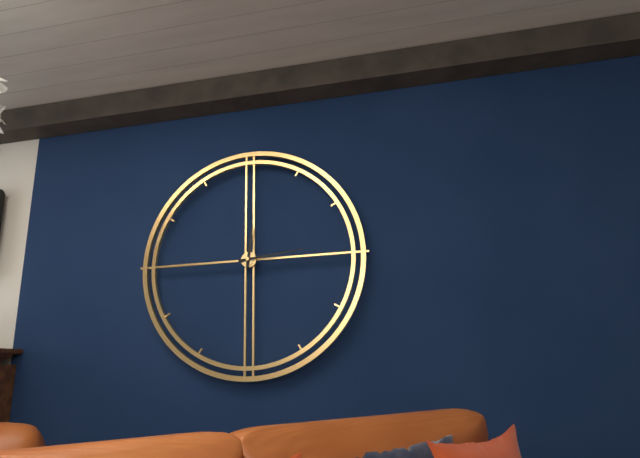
12:14
